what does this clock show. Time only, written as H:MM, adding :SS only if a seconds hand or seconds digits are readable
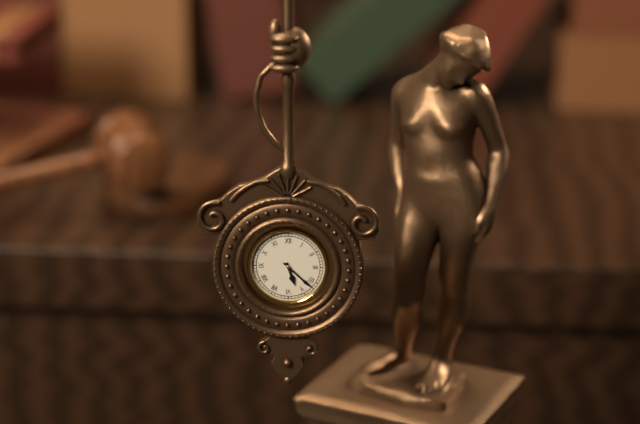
5:22
